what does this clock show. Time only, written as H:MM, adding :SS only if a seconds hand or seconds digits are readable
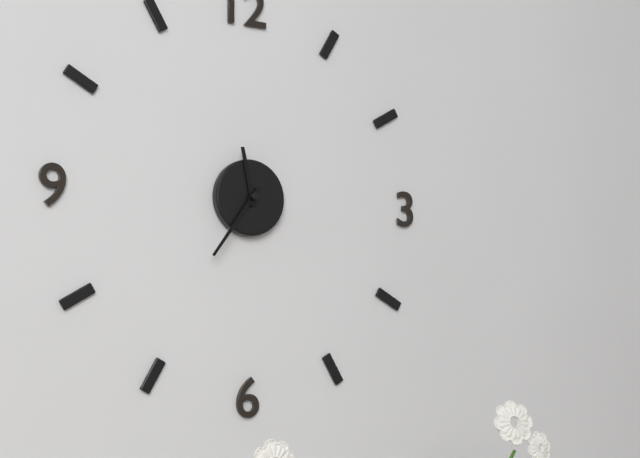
11:36
